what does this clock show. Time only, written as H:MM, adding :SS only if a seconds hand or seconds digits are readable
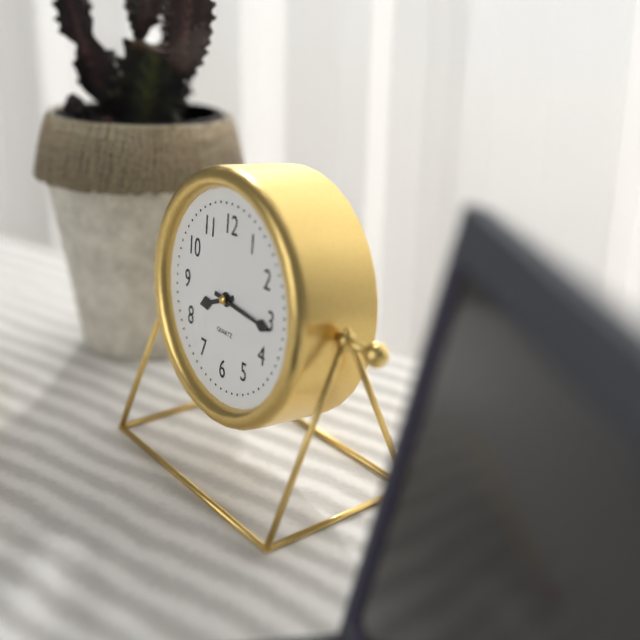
8:16
